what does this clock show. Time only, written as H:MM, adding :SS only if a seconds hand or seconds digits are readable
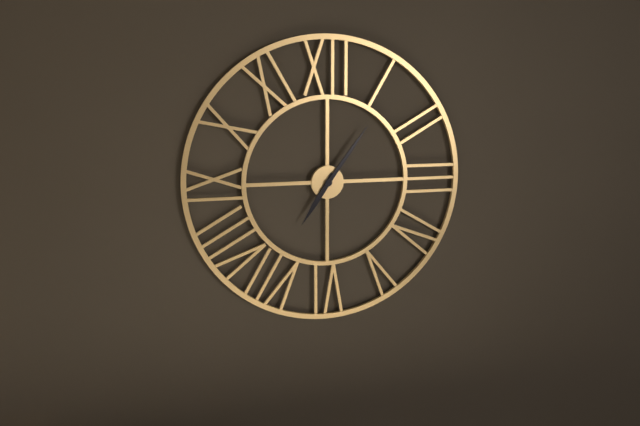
7:06
